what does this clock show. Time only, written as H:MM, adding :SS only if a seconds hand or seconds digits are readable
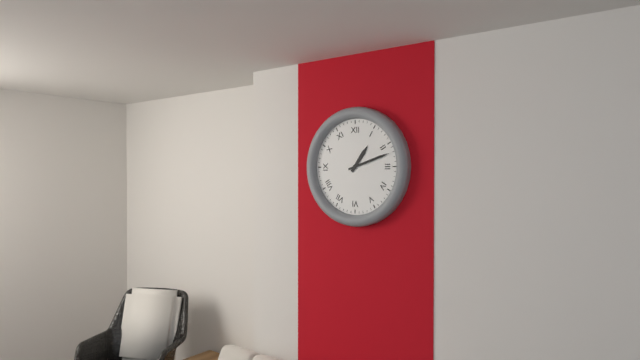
1:12
